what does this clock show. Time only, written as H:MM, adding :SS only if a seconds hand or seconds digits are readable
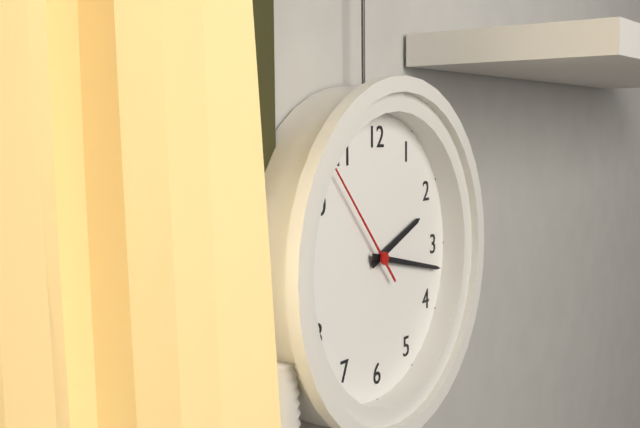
2:17:53
